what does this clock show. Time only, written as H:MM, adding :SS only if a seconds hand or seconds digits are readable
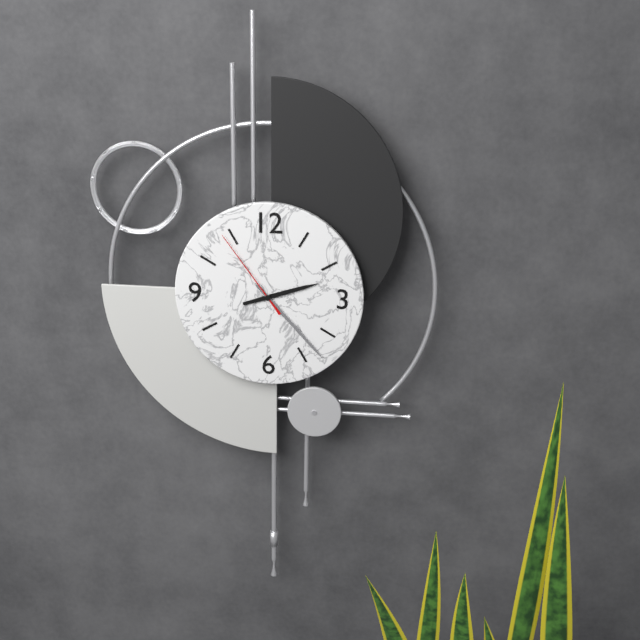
2:23:54
